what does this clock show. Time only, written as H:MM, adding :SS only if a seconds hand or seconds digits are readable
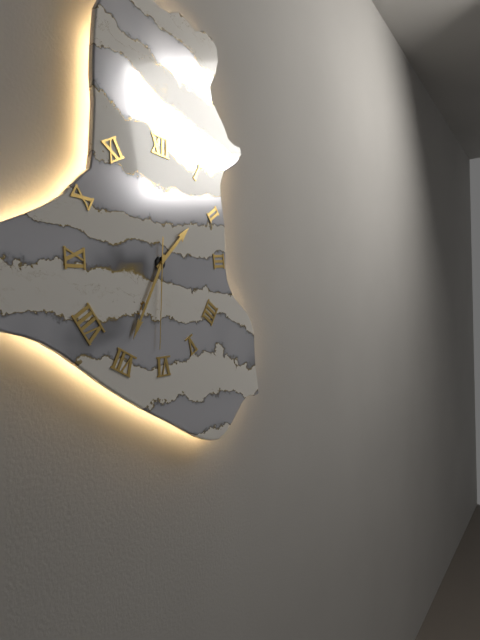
1:35:31
